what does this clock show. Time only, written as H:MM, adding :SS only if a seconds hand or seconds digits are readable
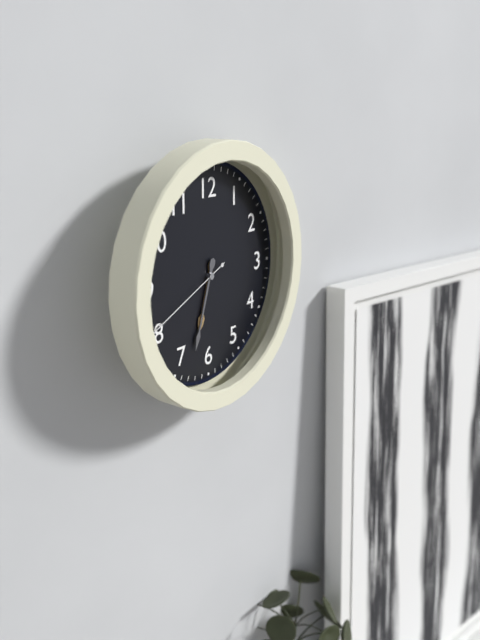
6:33:41
